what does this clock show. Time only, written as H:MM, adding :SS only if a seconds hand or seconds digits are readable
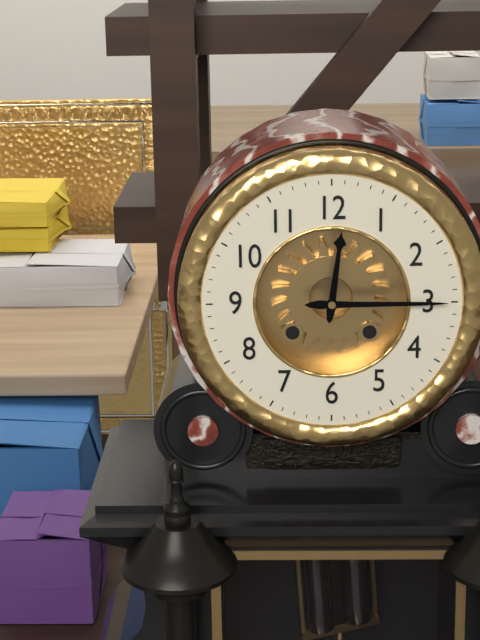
12:15
